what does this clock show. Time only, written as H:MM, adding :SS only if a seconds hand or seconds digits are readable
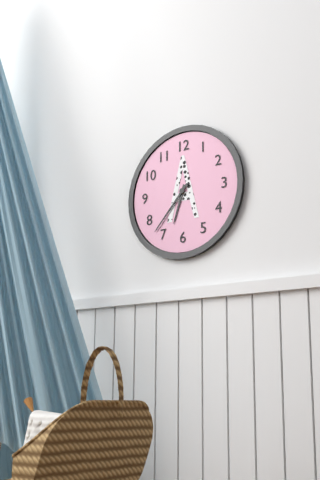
6:37
